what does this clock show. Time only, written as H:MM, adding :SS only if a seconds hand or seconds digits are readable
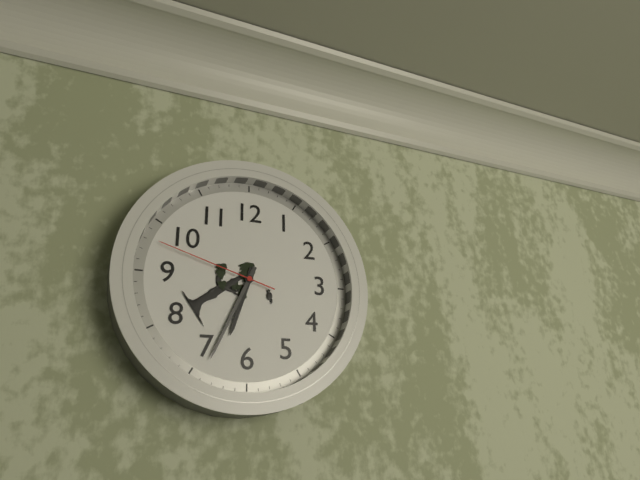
6:34:48
